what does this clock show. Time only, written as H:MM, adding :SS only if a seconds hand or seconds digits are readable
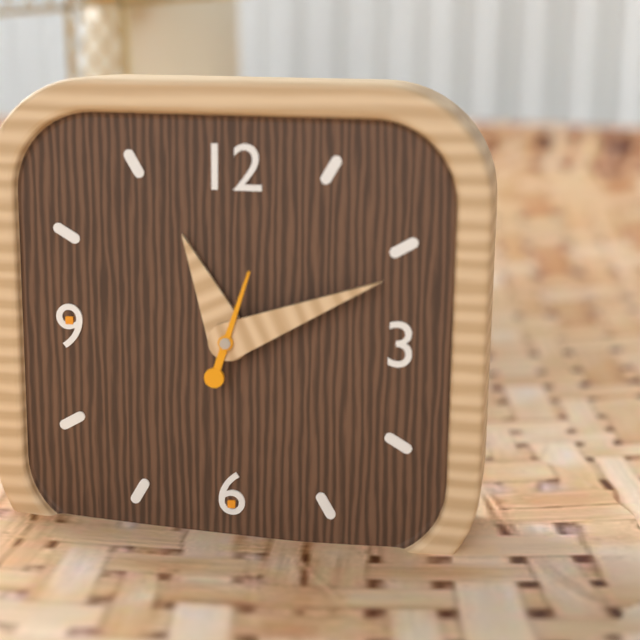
11:11:03
